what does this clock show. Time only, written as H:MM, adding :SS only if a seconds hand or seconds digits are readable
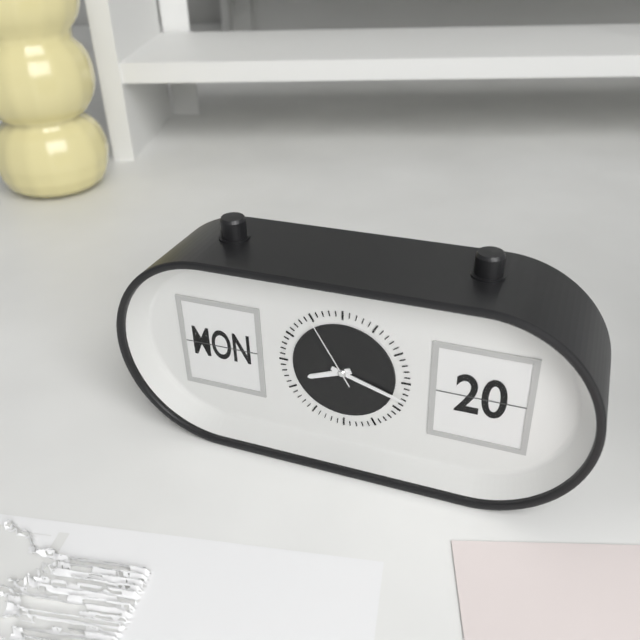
8:18:55
